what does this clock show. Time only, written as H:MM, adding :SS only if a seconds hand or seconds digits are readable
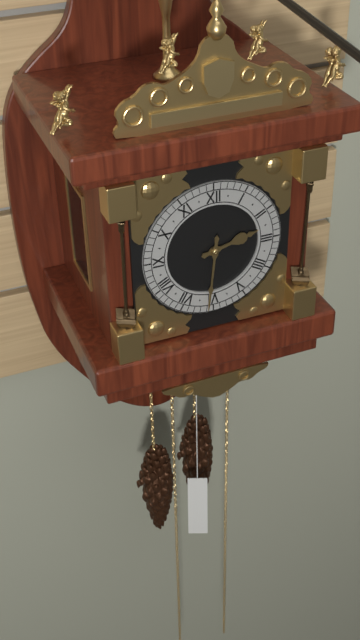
2:31
